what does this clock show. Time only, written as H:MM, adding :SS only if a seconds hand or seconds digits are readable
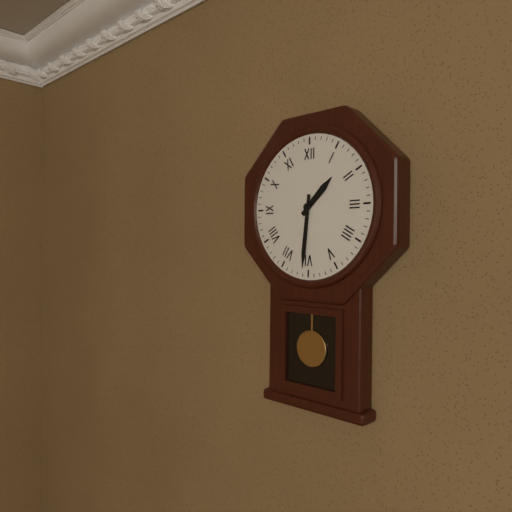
1:31
